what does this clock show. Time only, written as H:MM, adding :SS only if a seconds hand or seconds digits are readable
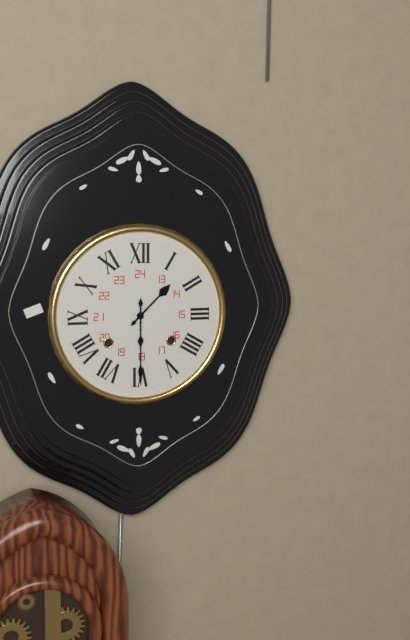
1:30
